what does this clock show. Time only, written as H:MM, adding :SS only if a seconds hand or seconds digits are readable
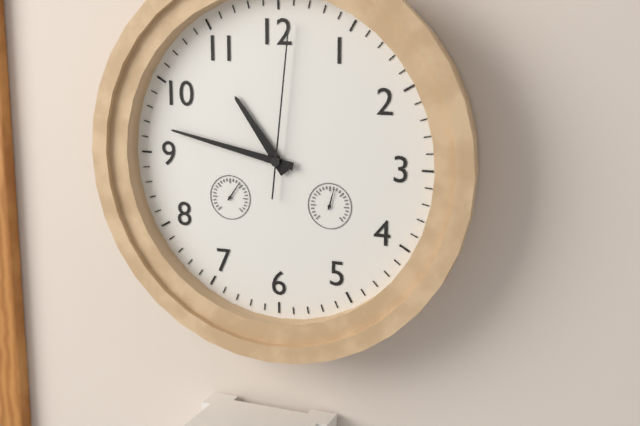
10:47:01
